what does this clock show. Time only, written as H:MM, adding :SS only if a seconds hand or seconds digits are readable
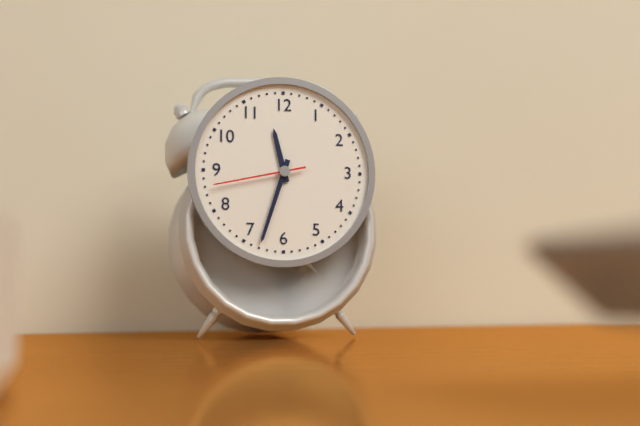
11:33:43
